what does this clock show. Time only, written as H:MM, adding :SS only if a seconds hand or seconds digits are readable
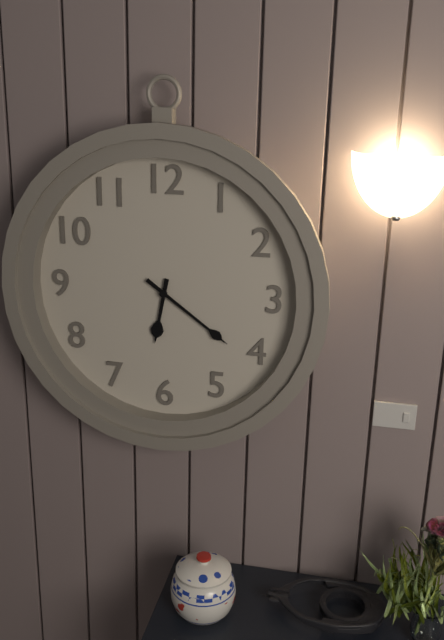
6:21
